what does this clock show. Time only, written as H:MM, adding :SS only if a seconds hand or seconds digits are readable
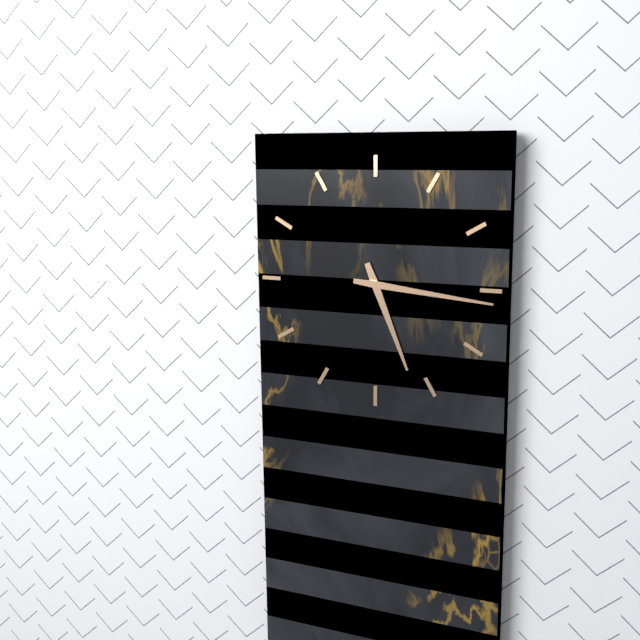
5:16
